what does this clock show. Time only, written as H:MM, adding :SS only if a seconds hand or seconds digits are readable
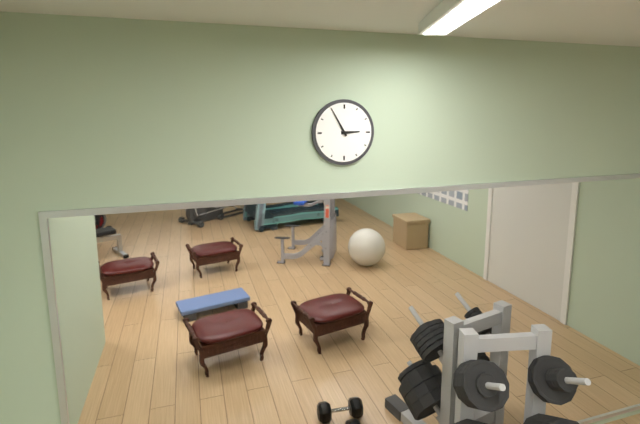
2:55
